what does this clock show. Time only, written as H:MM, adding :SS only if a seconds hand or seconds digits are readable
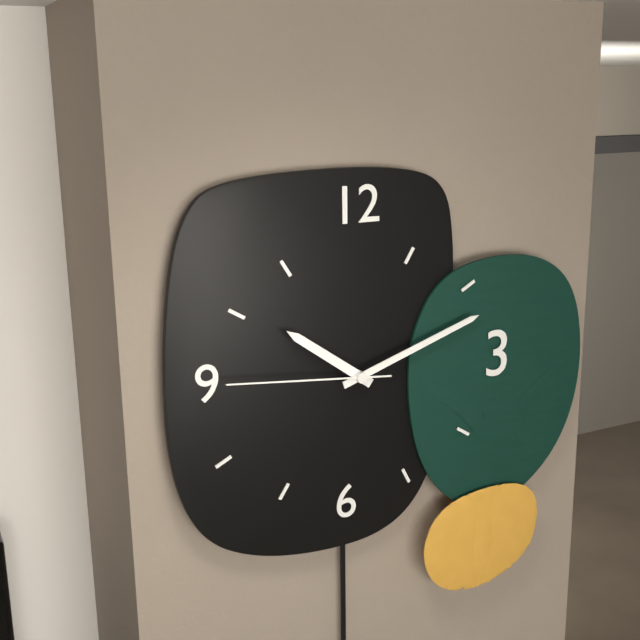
10:12:46
